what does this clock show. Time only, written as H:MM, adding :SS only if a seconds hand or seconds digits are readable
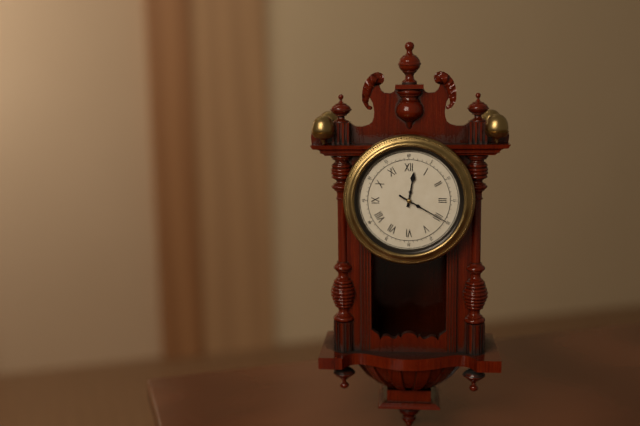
12:20
